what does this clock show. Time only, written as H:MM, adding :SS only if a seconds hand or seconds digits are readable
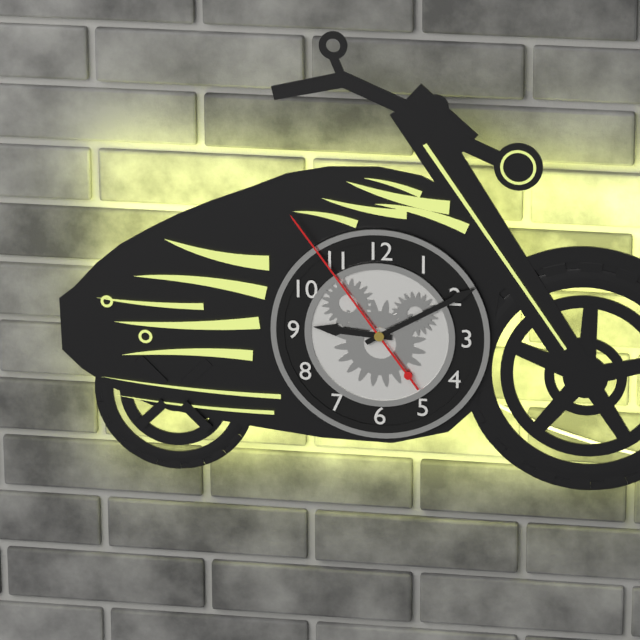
9:10:54
